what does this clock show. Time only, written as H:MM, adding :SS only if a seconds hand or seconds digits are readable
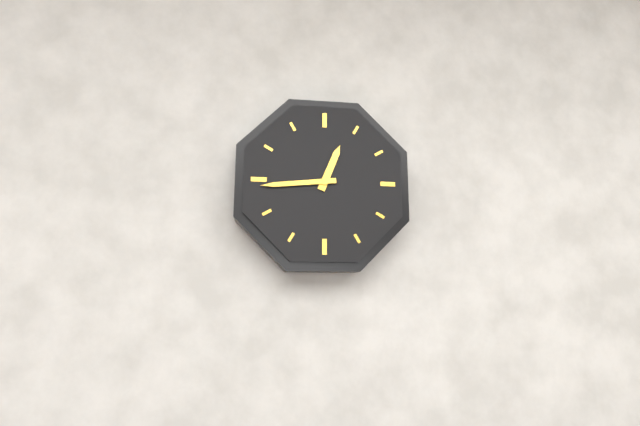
12:44
